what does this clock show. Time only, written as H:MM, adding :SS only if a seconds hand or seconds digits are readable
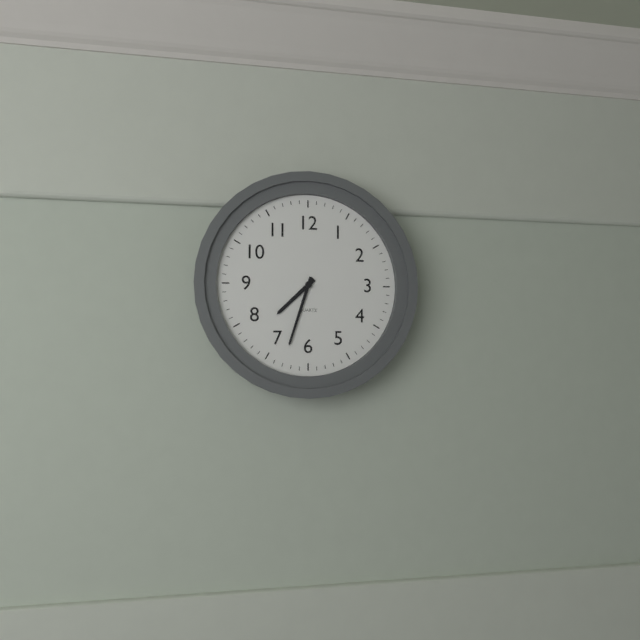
7:33
